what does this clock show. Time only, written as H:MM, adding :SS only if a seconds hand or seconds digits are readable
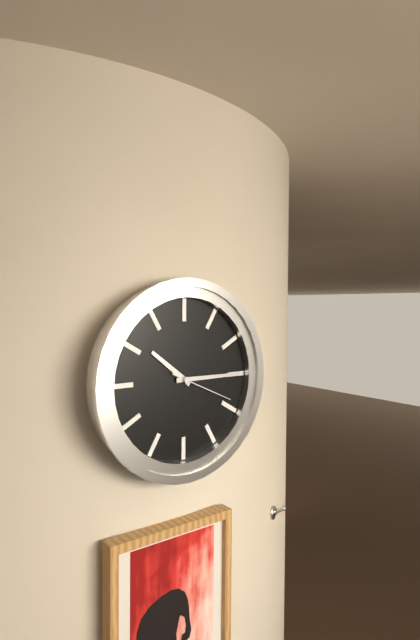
10:15:19
